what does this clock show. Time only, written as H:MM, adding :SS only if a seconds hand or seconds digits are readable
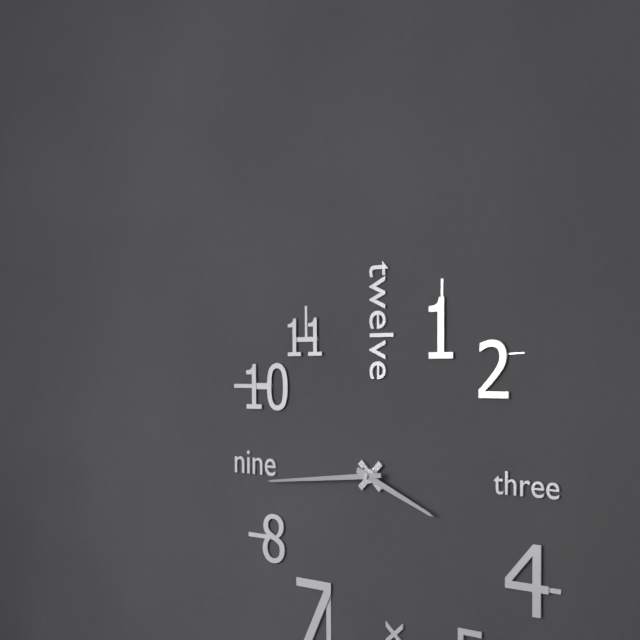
3:44
